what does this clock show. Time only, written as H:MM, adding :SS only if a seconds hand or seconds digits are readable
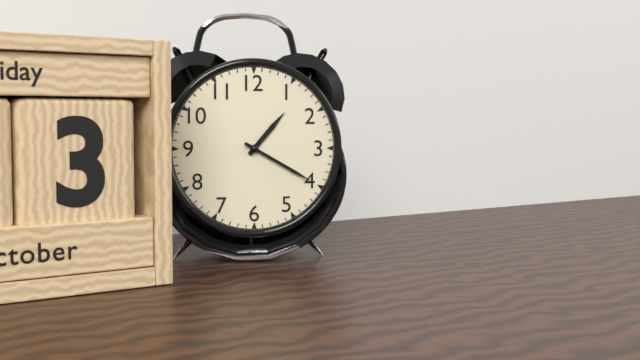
1:20
